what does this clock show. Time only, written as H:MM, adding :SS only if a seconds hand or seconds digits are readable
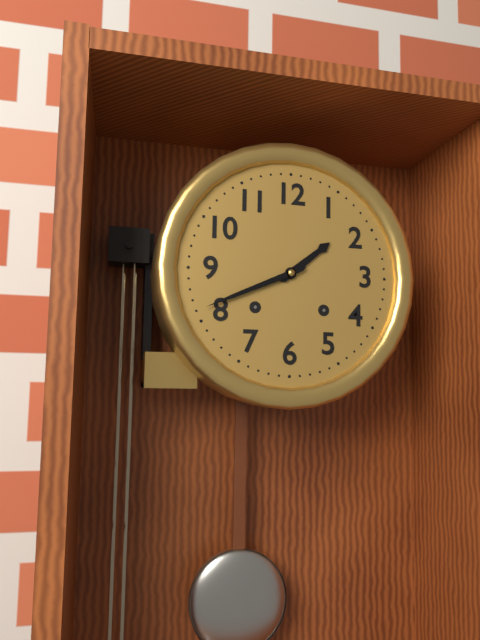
1:41
